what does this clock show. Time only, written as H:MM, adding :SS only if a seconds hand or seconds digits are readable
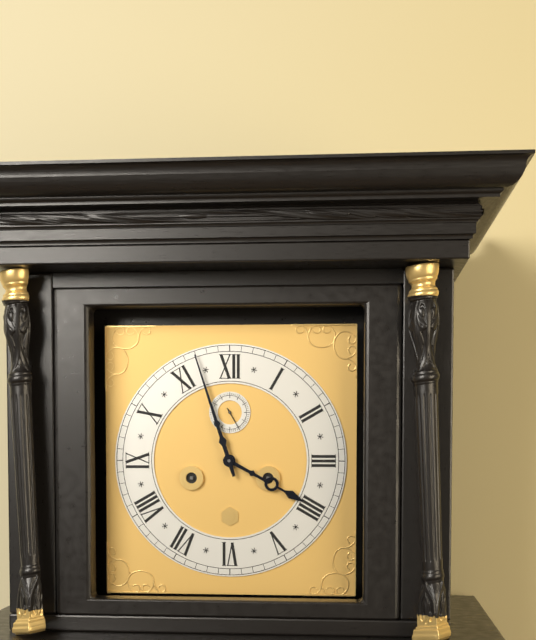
3:57
